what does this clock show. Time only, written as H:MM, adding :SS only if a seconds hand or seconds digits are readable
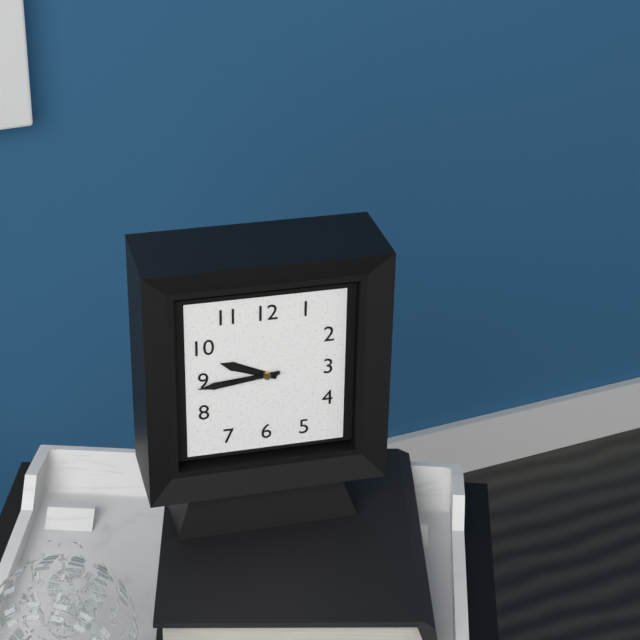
9:44
